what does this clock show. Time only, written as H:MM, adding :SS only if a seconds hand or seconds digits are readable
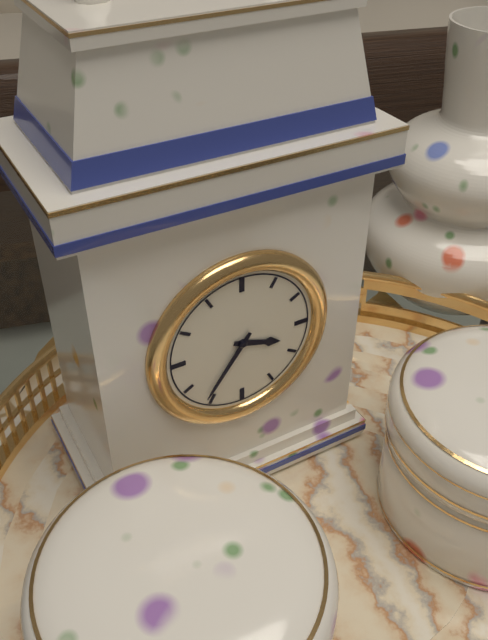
3:36
